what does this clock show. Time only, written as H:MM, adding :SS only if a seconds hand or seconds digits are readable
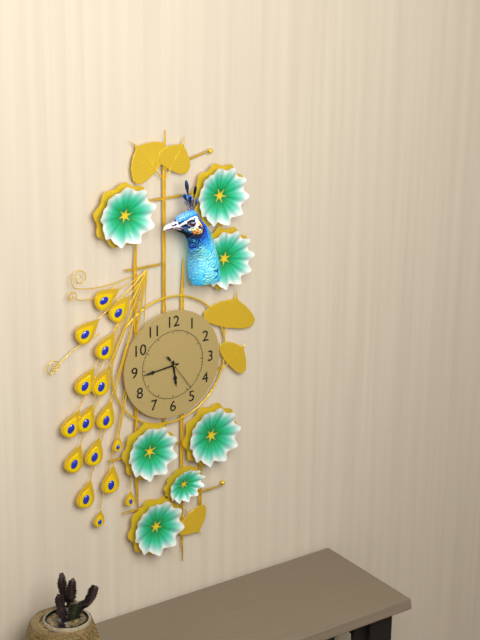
5:44
